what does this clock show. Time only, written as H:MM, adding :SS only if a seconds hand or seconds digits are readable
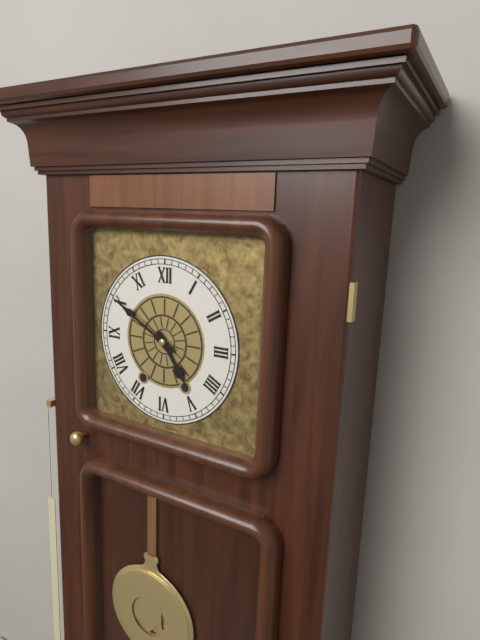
4:50
